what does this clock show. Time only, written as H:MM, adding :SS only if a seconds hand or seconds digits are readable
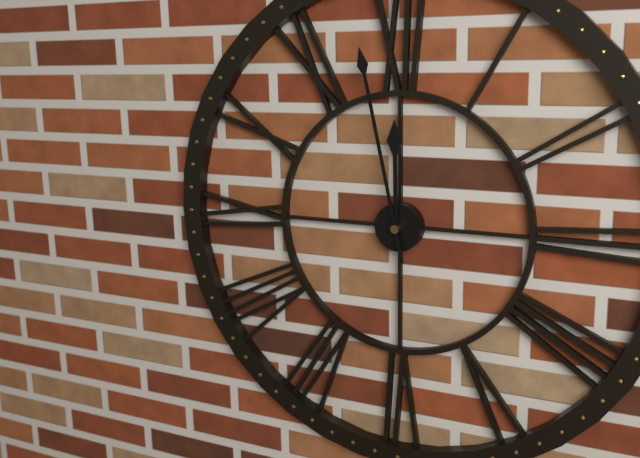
11:58
